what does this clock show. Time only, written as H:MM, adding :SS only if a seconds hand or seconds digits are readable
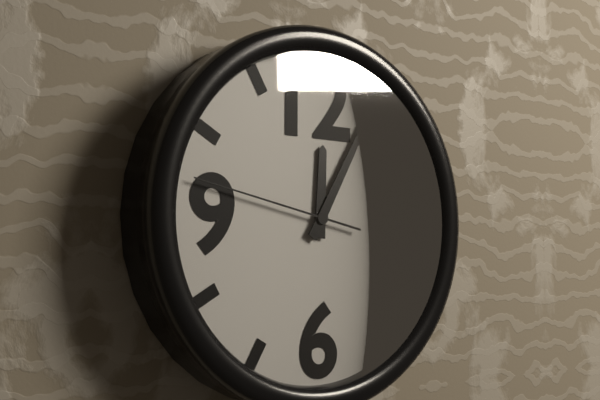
12:05:47
